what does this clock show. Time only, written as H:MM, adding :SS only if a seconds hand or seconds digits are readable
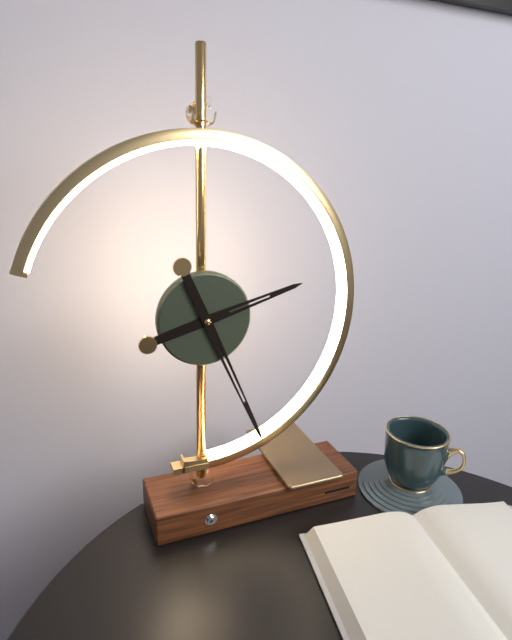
2:26
